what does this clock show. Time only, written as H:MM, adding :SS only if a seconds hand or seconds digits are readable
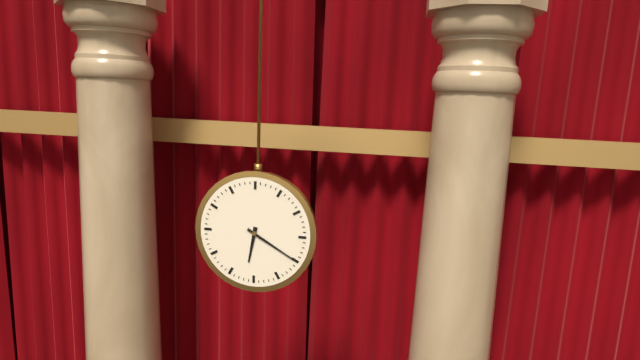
6:20
